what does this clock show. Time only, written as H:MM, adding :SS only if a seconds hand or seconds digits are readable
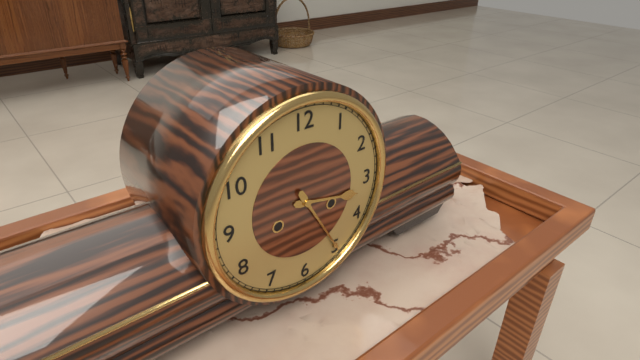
3:25
